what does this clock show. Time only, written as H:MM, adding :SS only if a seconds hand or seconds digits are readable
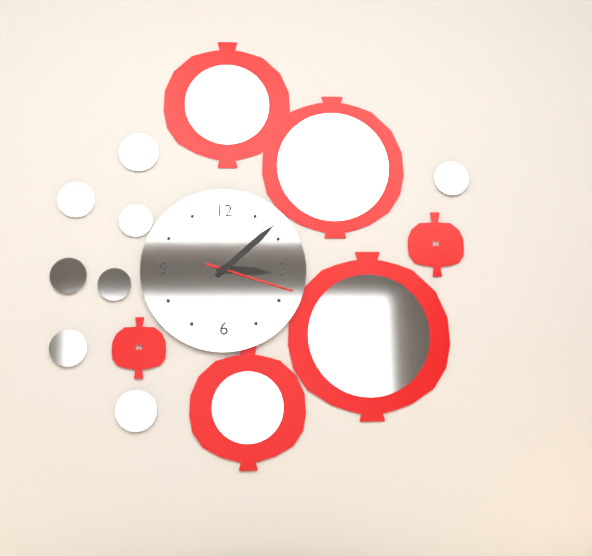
3:08:18
